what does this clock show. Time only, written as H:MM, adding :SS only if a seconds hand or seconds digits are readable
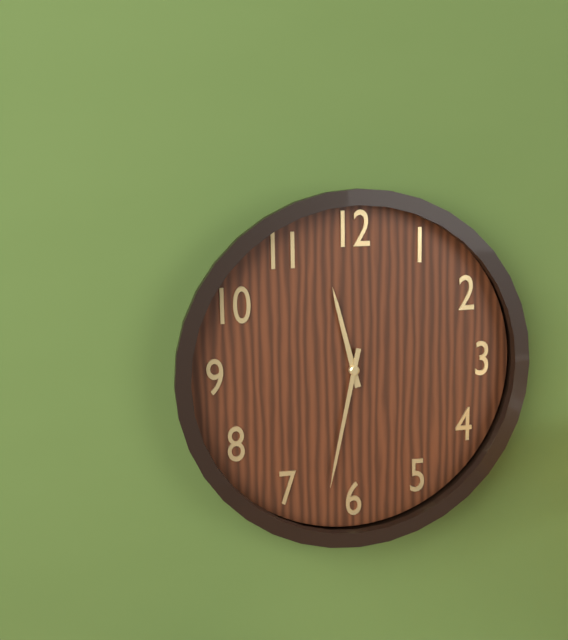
11:32
